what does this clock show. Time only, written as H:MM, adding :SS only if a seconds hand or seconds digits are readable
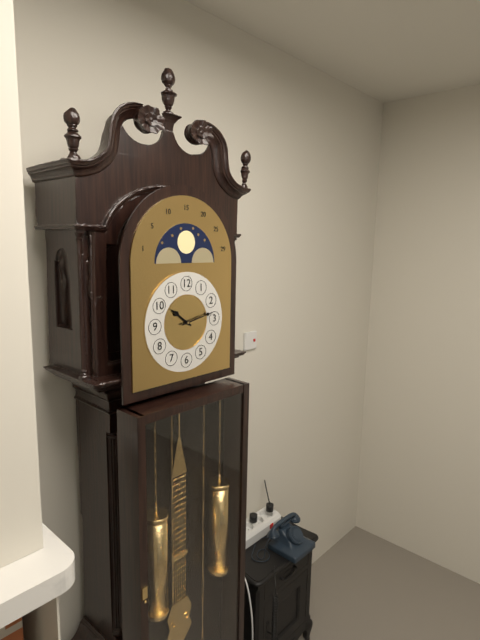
10:13
